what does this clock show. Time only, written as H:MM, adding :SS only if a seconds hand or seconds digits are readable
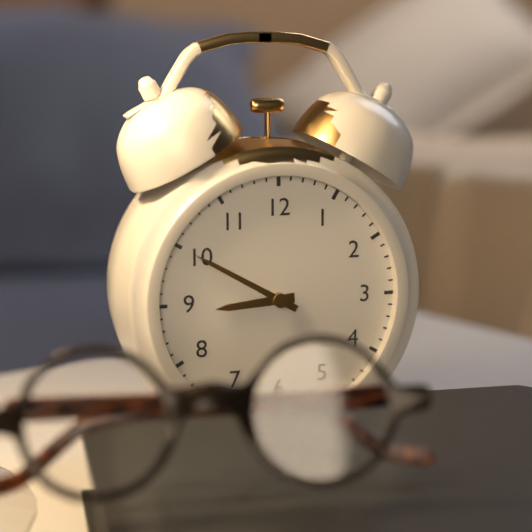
8:50
